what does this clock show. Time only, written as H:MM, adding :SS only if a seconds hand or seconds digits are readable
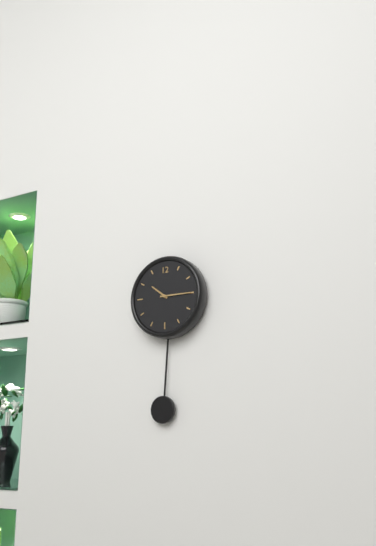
10:15
